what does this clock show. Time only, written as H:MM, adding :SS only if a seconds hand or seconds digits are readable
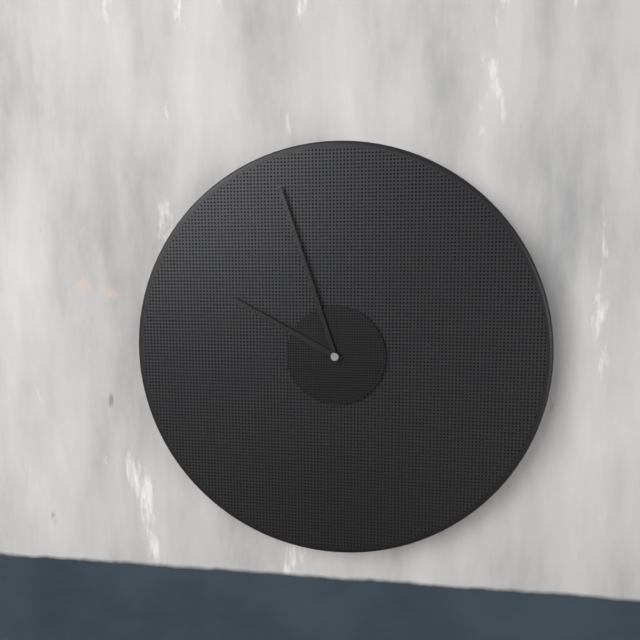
9:57
